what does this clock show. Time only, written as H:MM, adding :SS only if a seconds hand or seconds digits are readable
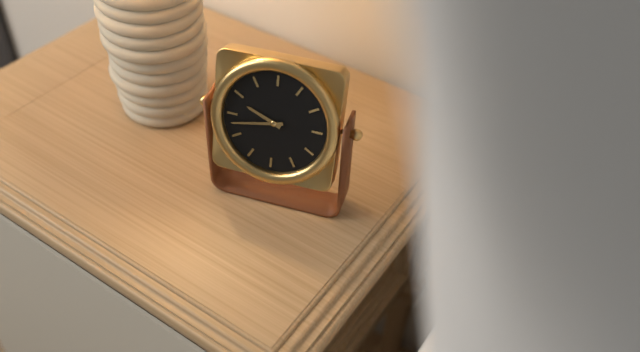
9:43
